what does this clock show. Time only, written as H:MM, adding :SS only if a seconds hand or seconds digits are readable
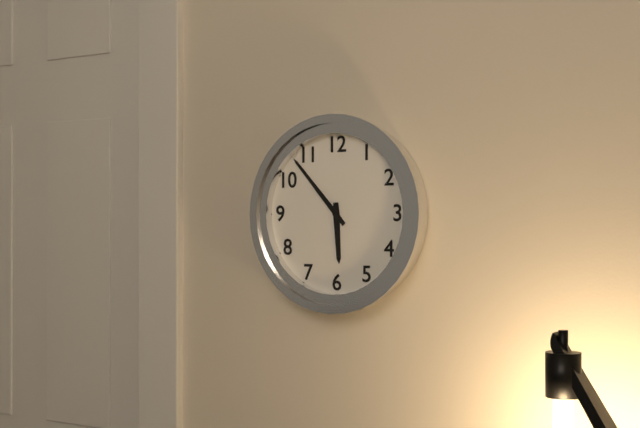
5:53
